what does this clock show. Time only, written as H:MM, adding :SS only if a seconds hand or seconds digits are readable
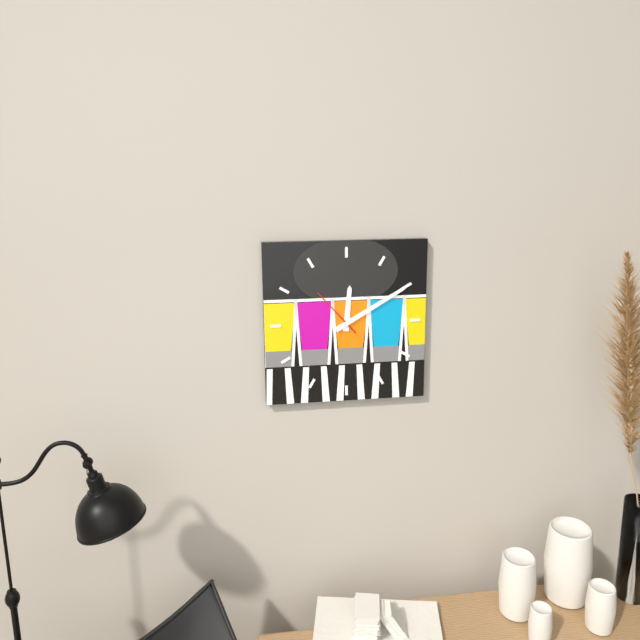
12:10
